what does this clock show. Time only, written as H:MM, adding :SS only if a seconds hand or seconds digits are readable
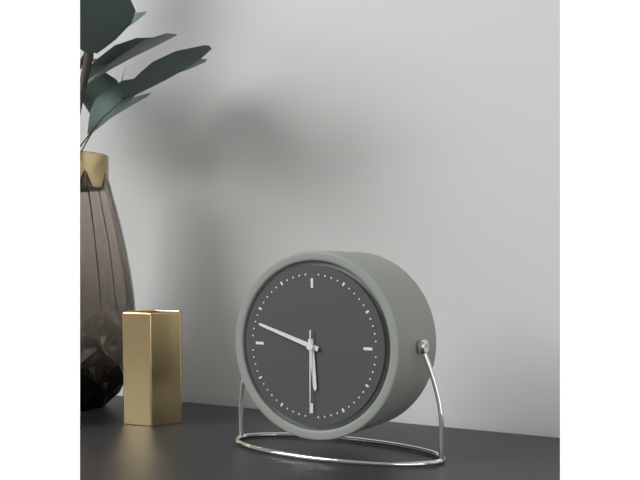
5:48:30
